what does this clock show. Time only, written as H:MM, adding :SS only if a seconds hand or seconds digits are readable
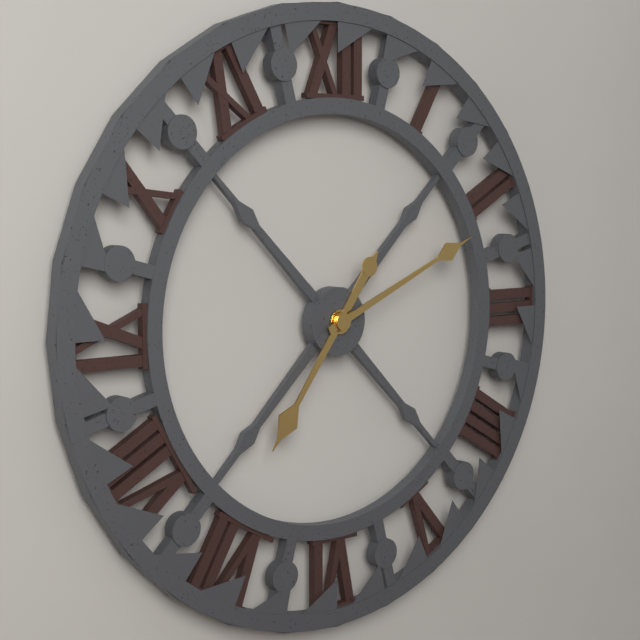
7:11
